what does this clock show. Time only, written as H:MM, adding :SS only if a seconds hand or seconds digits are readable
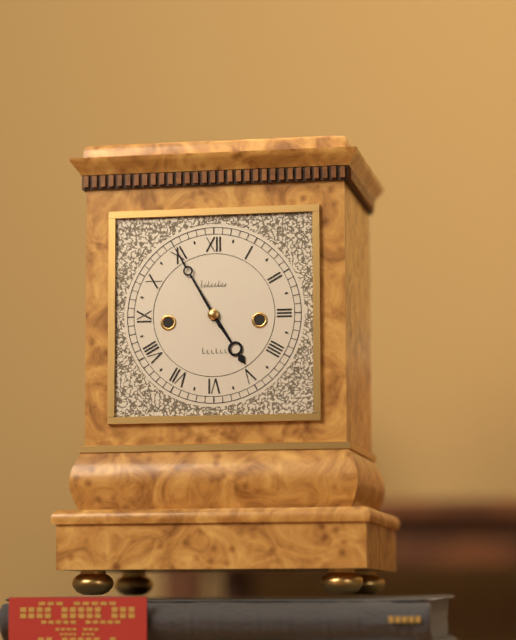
4:55
